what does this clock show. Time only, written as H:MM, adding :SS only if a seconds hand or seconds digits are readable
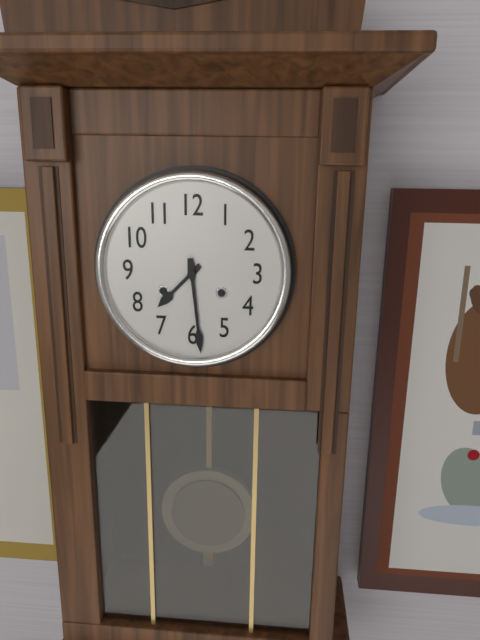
7:29
